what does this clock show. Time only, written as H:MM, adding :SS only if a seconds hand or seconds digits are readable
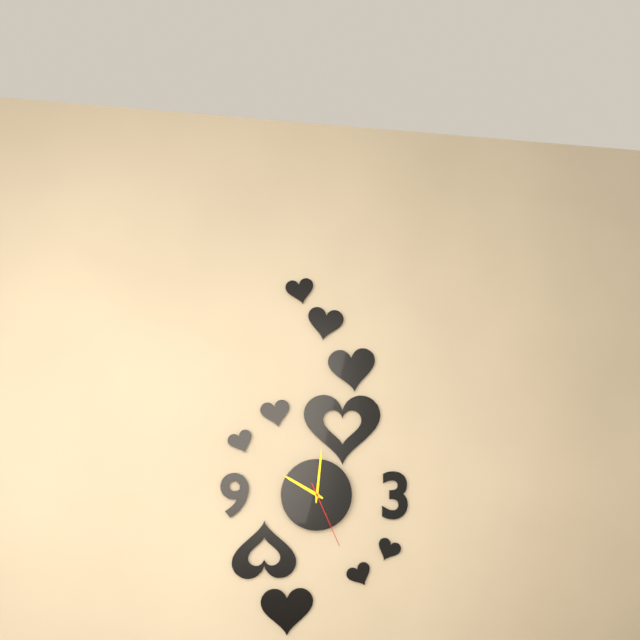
10:01:26
